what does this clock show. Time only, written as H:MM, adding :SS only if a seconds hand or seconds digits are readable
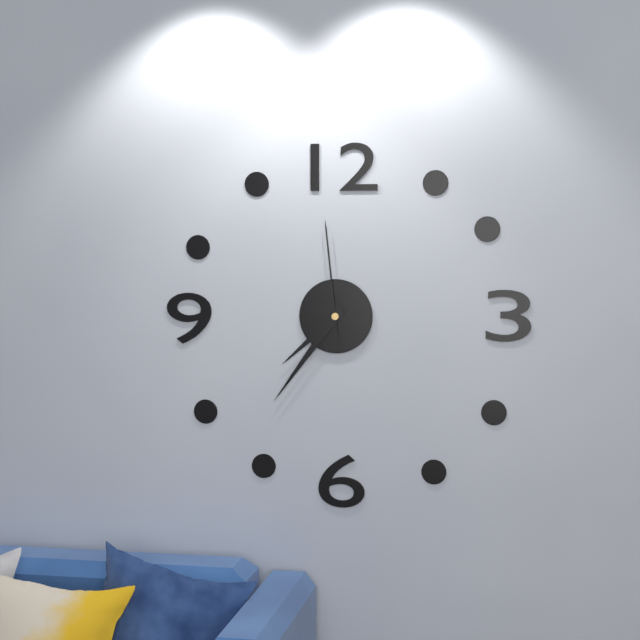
7:36:59
